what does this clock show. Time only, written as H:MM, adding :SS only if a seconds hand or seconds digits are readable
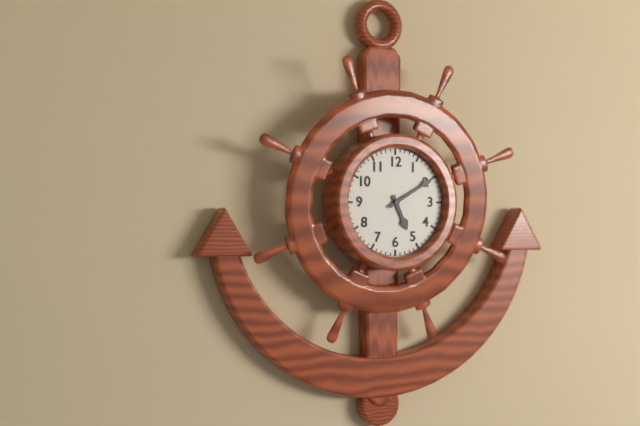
5:10
